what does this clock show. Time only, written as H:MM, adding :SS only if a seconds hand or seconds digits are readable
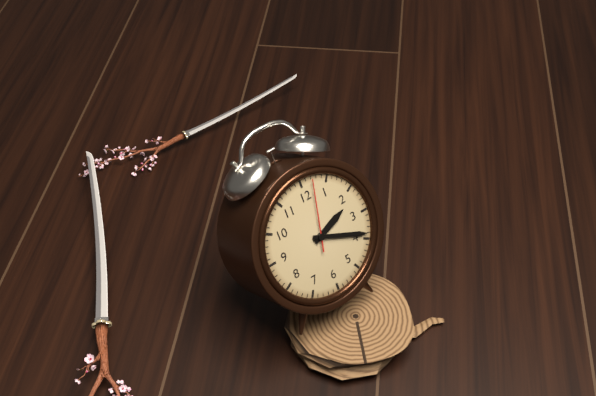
2:19:02
